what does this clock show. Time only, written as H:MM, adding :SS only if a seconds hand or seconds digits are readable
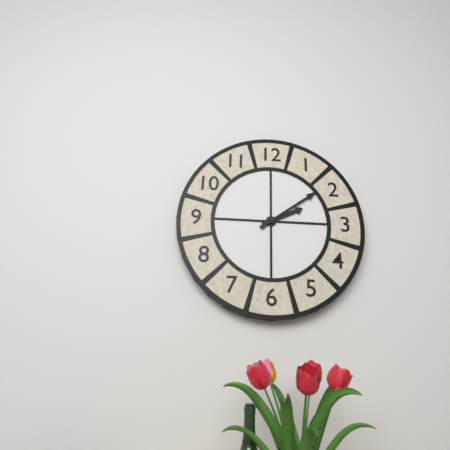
2:09
